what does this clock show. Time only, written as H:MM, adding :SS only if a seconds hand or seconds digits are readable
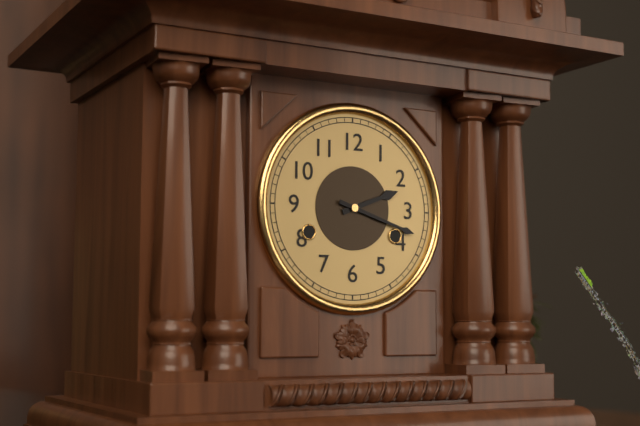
2:18
